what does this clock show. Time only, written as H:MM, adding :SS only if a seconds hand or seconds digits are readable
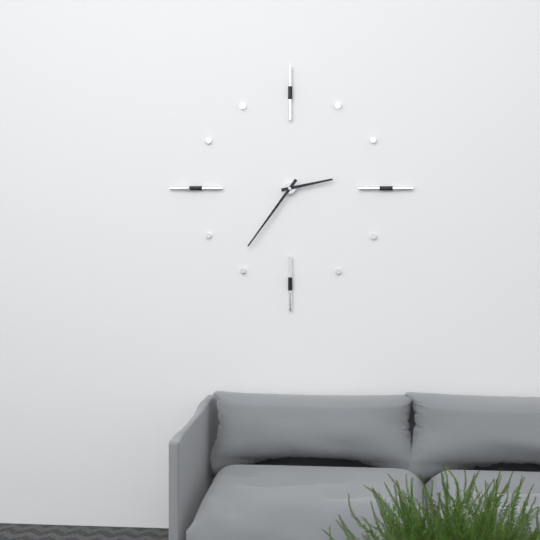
2:36
